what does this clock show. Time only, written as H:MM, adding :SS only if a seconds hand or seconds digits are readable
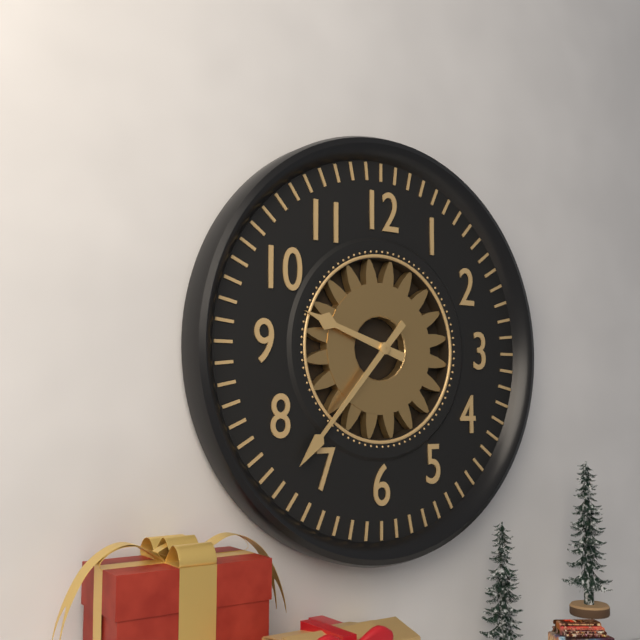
9:37
